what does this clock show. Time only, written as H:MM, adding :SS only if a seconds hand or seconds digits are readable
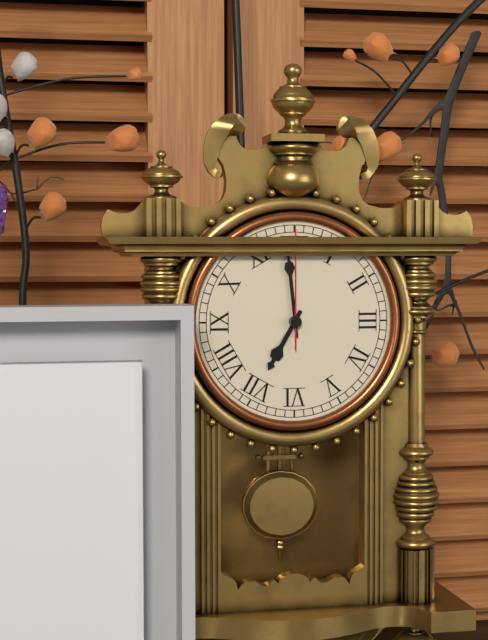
6:59:00
